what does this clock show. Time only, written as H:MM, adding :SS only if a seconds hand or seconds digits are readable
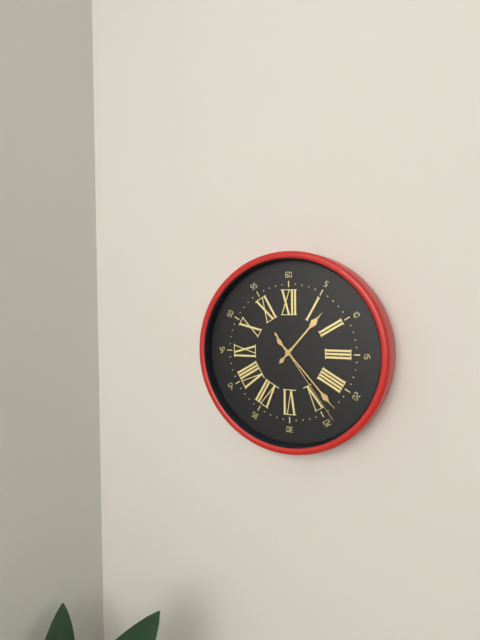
1:23:24
